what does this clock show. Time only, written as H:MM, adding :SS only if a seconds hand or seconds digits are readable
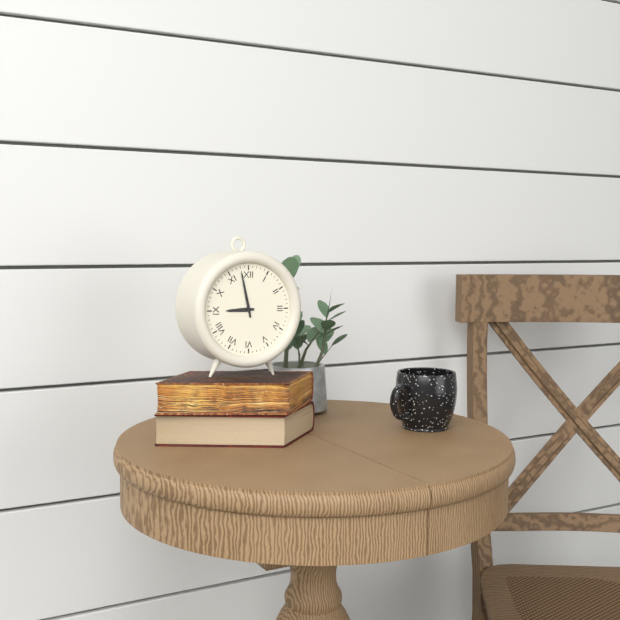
8:58
